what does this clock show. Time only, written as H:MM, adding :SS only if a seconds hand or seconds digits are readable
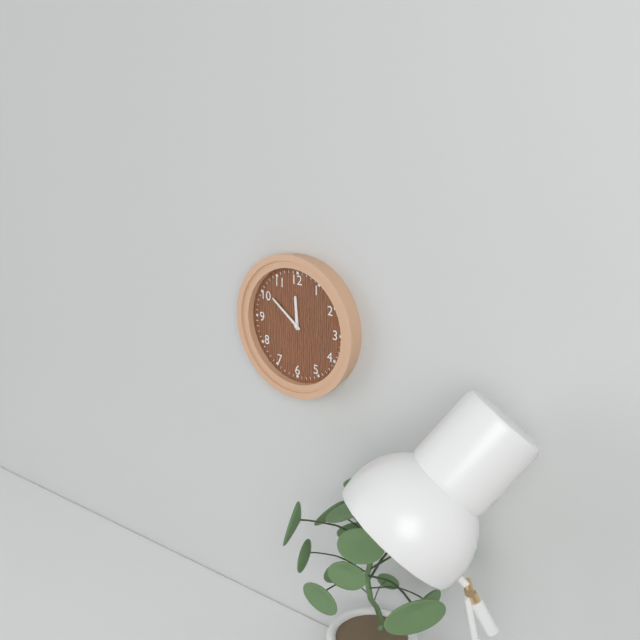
11:51
